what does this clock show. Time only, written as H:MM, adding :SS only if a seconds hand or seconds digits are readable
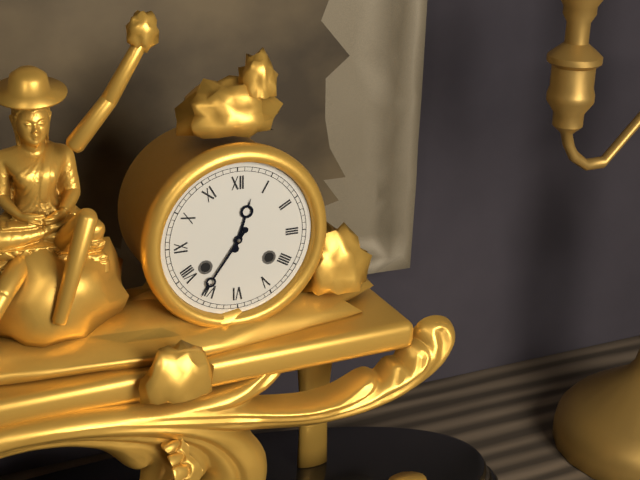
12:36
